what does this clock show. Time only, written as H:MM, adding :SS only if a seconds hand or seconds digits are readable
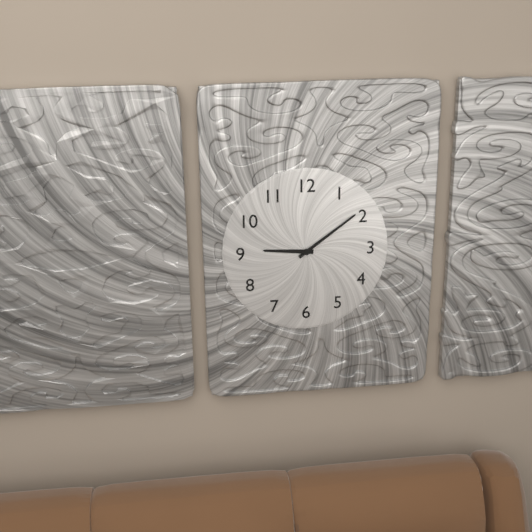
9:09
